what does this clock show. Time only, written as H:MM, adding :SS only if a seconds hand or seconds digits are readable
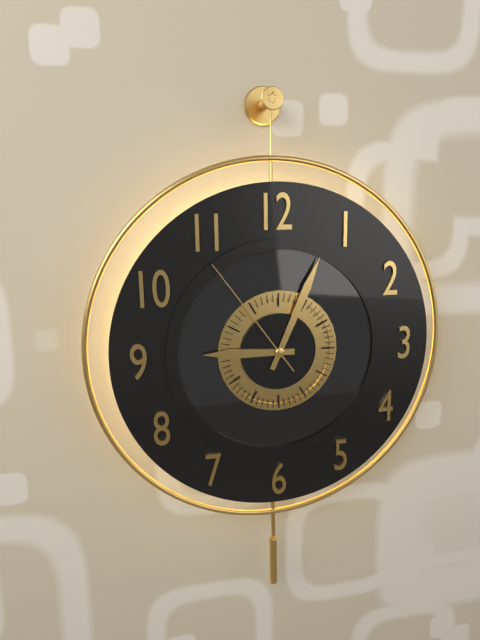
9:04:54
